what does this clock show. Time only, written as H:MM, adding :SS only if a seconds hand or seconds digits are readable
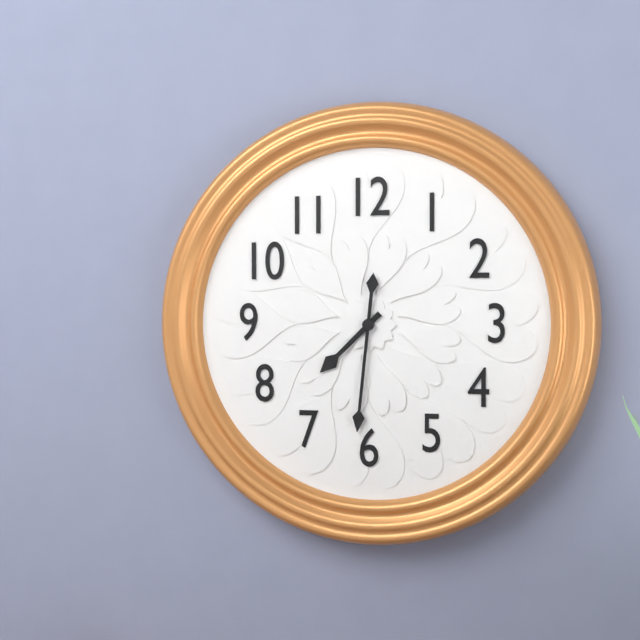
7:31
